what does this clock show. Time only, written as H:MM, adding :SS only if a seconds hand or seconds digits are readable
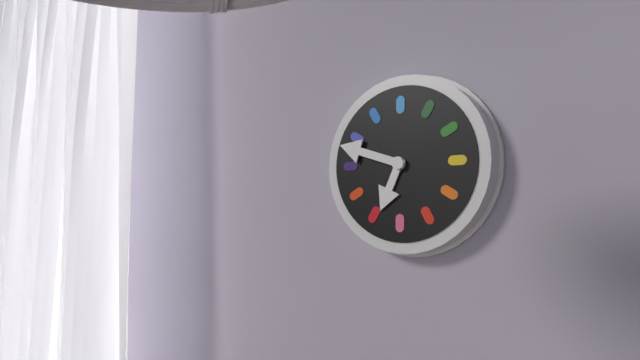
6:48
